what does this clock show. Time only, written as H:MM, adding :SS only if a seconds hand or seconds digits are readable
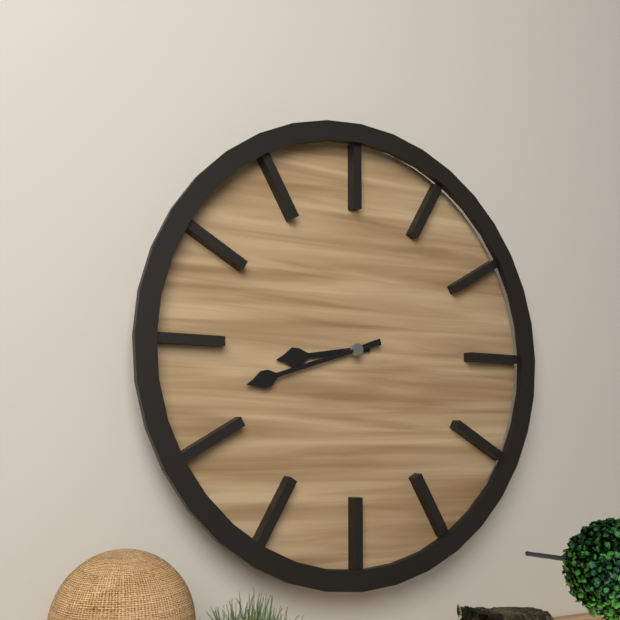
8:42
